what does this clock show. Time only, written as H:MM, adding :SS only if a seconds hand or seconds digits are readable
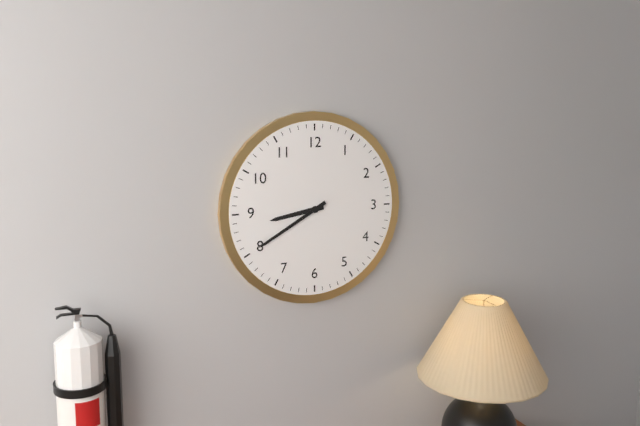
8:40
